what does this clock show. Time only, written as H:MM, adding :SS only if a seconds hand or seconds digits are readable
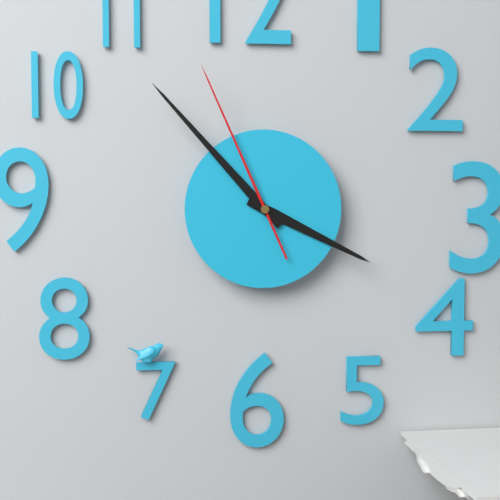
3:53:56
